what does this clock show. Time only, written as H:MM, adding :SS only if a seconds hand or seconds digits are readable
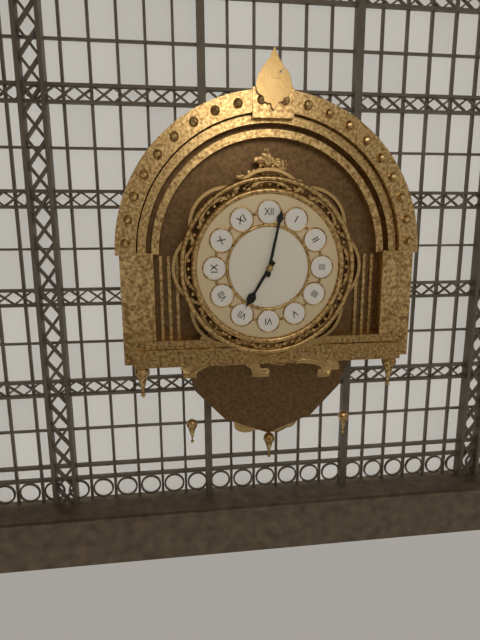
7:02
